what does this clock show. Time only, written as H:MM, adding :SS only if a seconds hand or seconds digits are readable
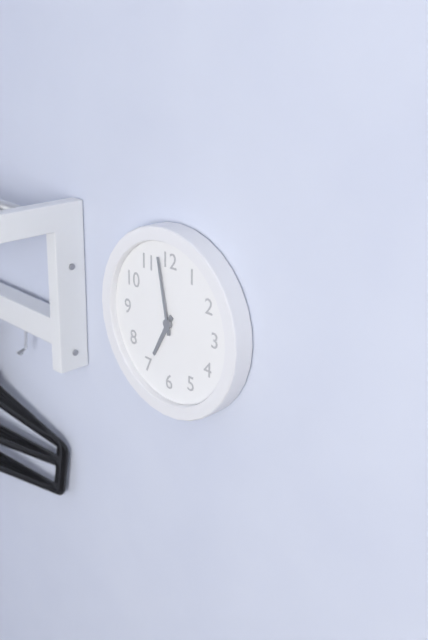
6:58
